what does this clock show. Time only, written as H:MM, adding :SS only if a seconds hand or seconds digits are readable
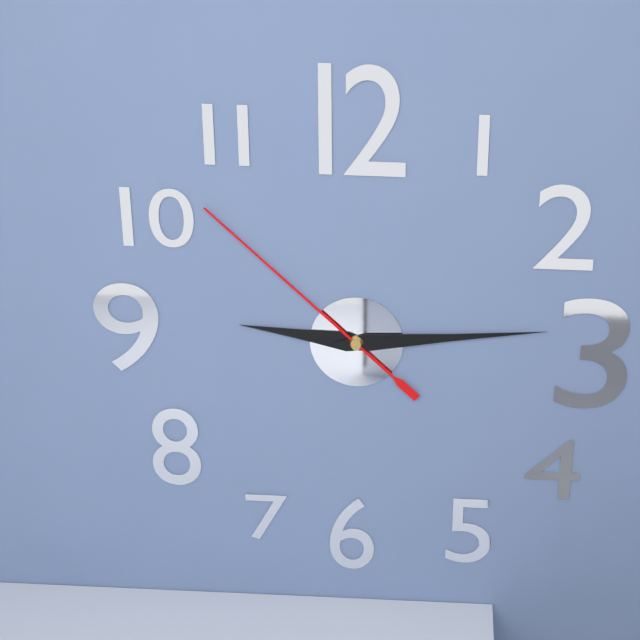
9:14:52
